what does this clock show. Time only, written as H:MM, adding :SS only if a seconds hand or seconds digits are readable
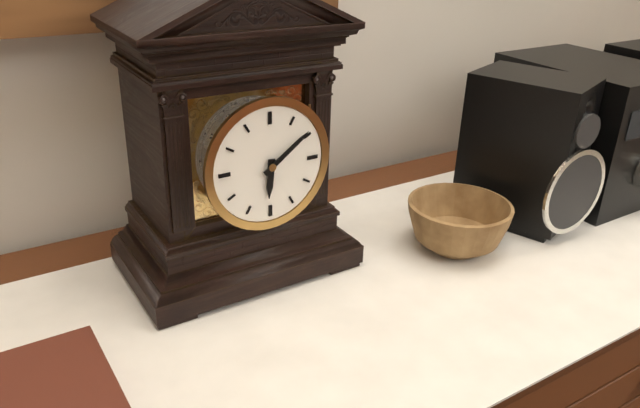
6:09
